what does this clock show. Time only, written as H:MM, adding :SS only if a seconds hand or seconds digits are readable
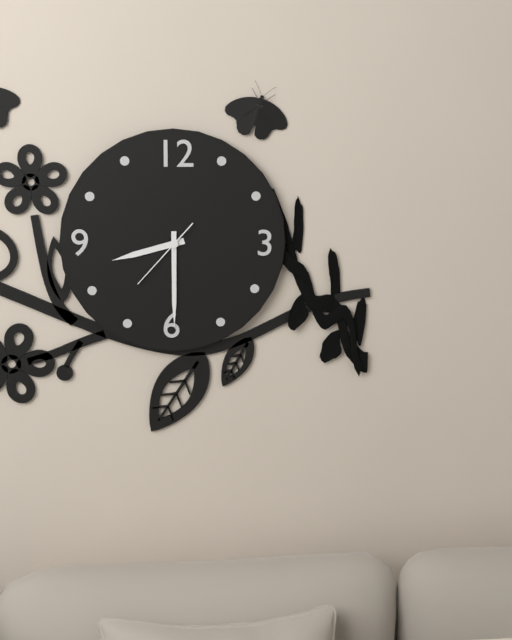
8:30:37
